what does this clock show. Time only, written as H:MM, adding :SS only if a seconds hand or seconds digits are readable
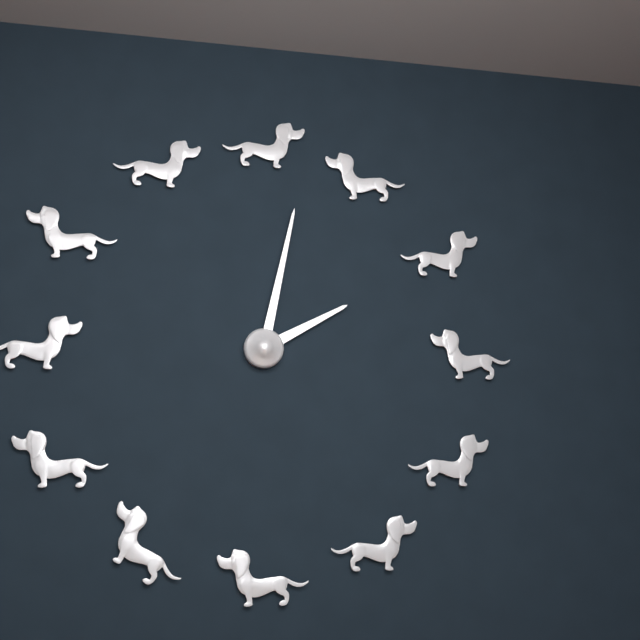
2:02
